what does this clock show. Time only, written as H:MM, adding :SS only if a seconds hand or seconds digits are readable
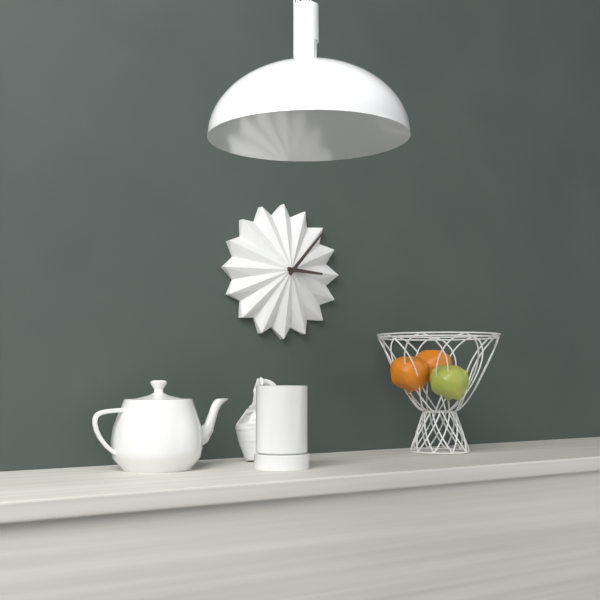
3:07
